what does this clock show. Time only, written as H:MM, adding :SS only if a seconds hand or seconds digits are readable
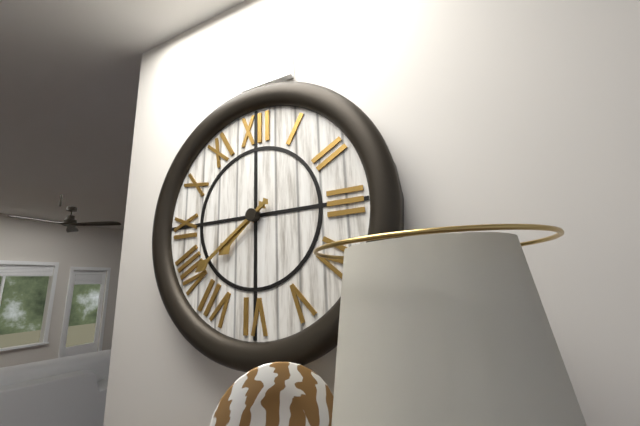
7:39
